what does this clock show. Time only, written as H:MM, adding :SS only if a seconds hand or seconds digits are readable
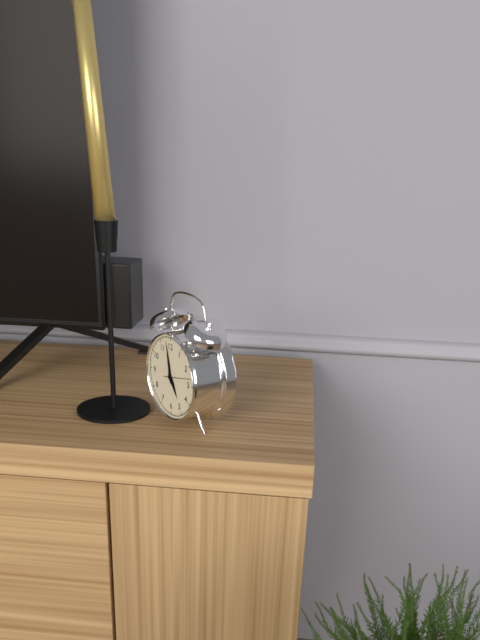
4:58
